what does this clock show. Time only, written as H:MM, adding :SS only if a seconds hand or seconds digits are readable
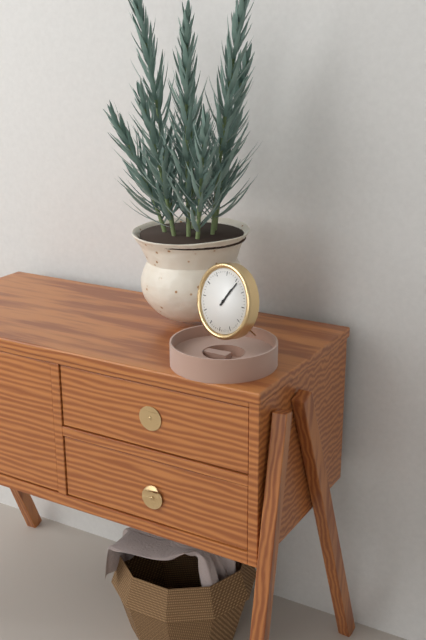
1:06
